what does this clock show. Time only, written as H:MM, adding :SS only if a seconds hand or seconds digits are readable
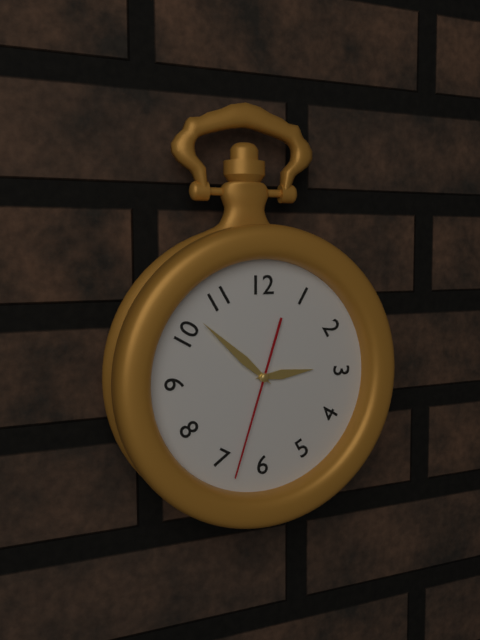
2:52:33
